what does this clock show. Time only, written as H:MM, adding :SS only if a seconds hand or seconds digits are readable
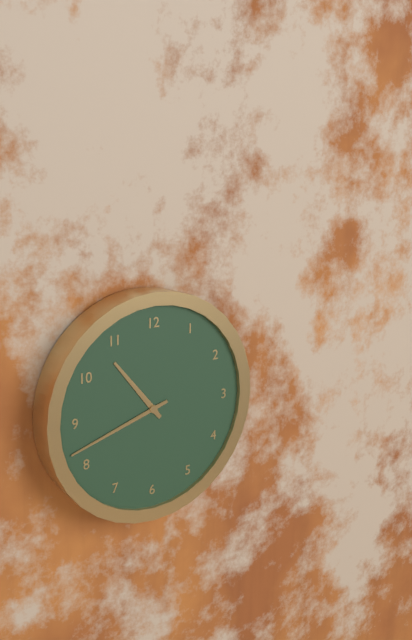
10:42
